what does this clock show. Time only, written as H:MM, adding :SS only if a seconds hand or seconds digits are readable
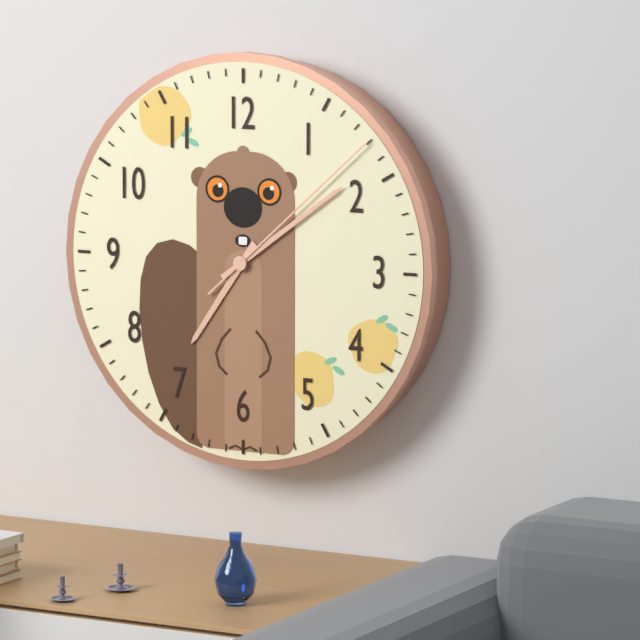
7:09:08
